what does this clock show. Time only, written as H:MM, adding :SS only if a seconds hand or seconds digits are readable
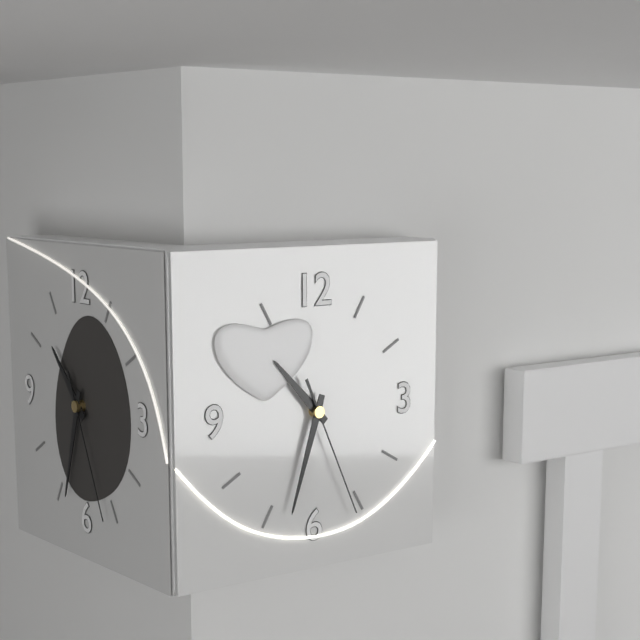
10:33:26
